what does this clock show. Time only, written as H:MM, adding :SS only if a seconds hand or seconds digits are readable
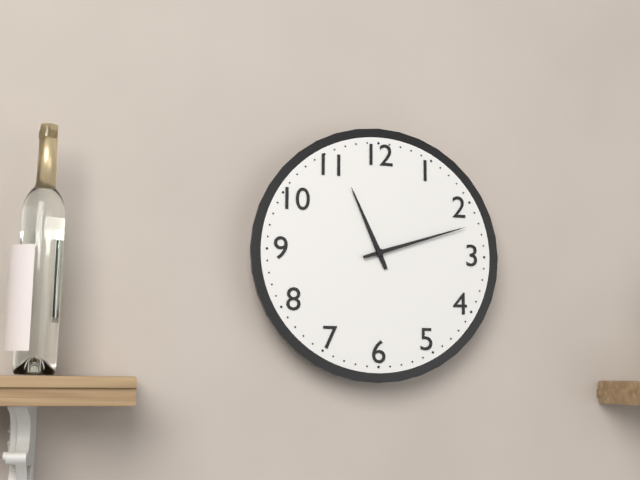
11:12
